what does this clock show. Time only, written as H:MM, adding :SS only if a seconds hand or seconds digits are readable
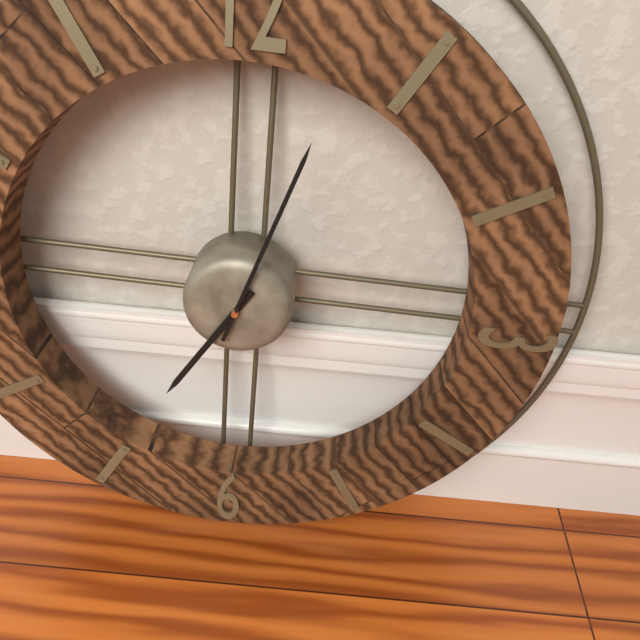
7:03
